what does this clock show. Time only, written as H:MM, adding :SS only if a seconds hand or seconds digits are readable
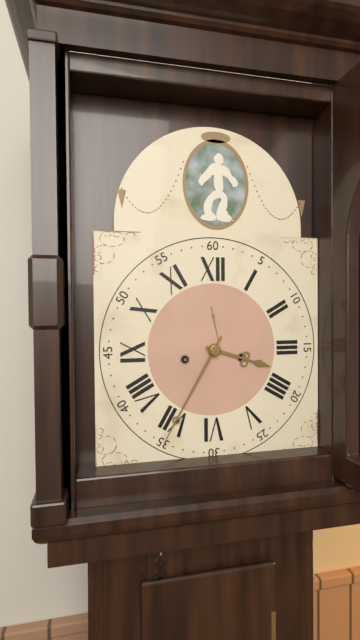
3:35
